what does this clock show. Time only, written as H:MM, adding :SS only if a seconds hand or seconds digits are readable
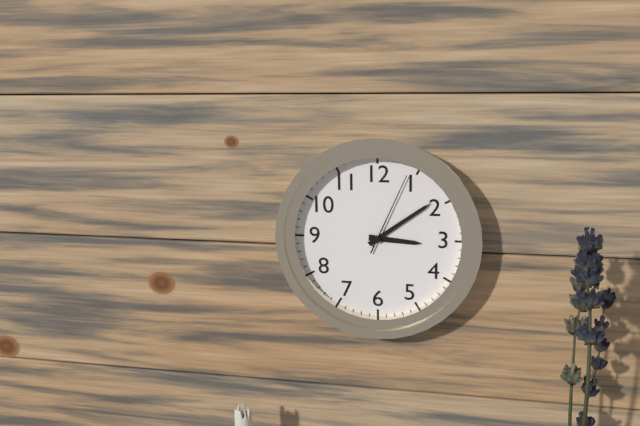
3:09:04
